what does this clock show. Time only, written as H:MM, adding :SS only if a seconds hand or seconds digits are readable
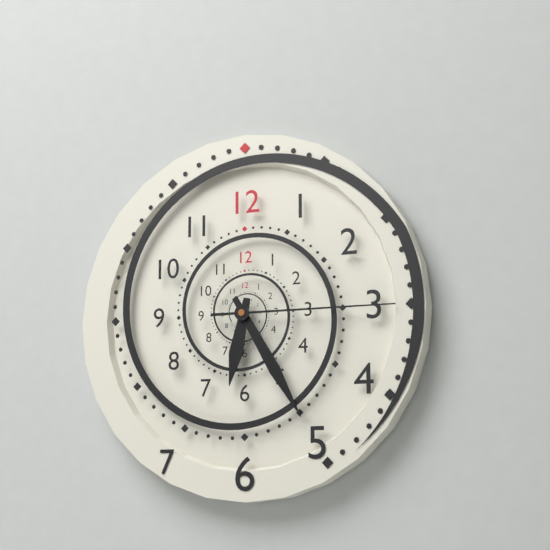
6:25:15
